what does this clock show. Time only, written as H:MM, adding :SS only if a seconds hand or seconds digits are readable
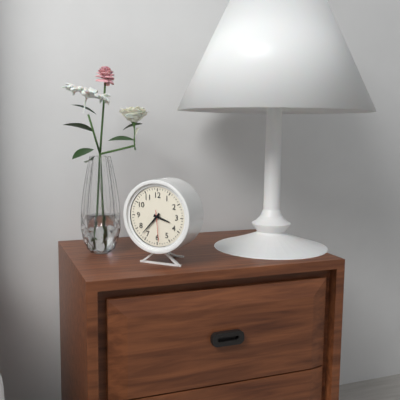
3:37
